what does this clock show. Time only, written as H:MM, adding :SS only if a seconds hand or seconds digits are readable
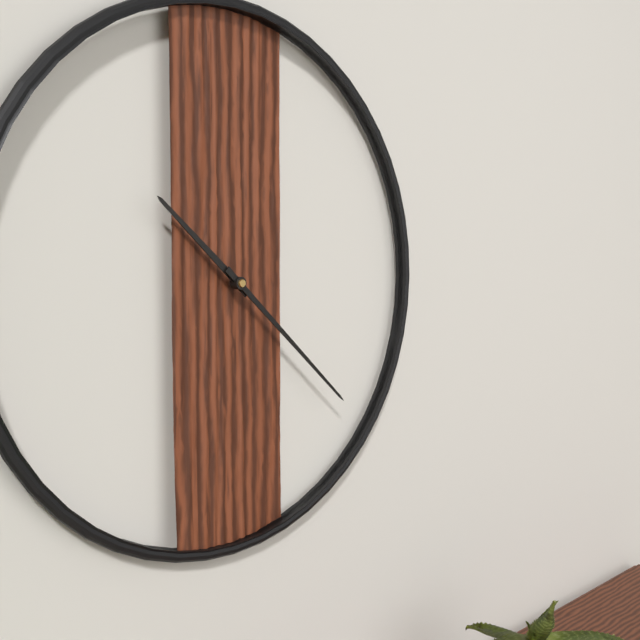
10:22
